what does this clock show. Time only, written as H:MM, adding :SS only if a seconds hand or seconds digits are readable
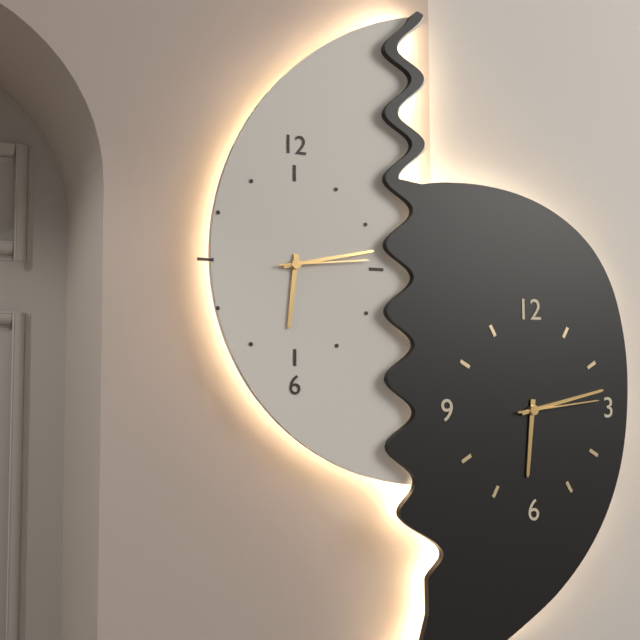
6:13:14
